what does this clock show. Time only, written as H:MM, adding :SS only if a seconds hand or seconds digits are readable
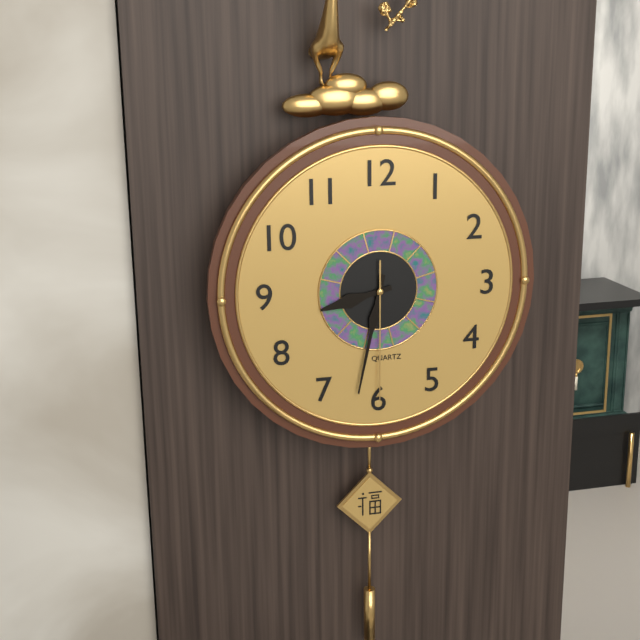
8:32:30
